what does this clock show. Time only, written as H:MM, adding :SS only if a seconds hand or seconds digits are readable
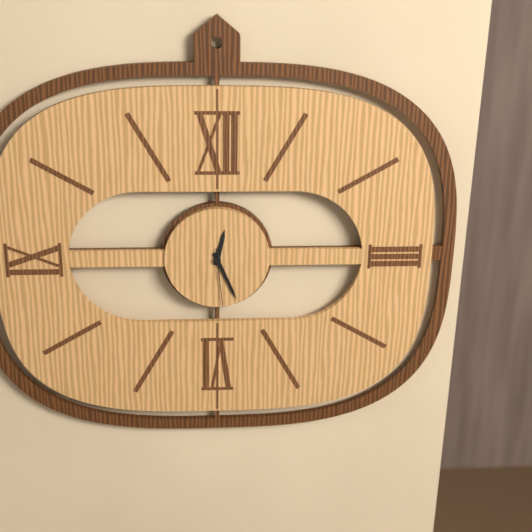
12:26:29
